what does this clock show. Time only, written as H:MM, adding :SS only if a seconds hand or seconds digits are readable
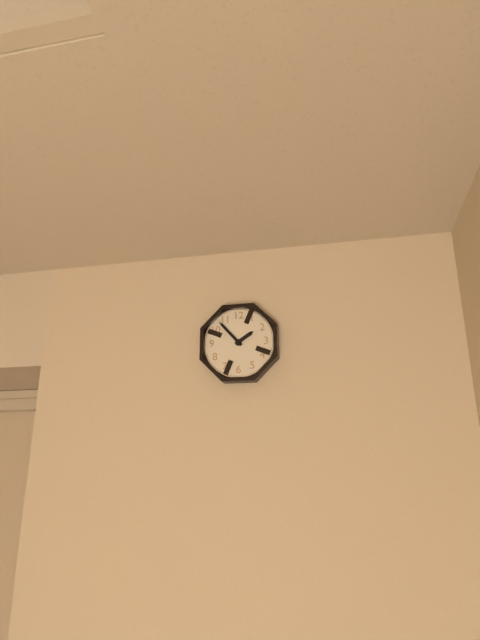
1:53
